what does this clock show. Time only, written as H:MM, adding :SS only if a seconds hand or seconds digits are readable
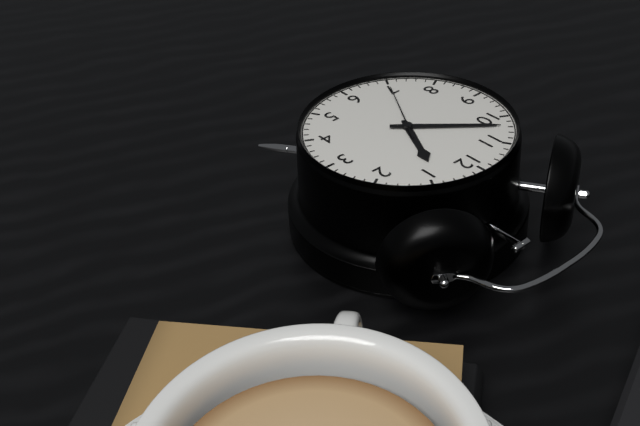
12:52:35
